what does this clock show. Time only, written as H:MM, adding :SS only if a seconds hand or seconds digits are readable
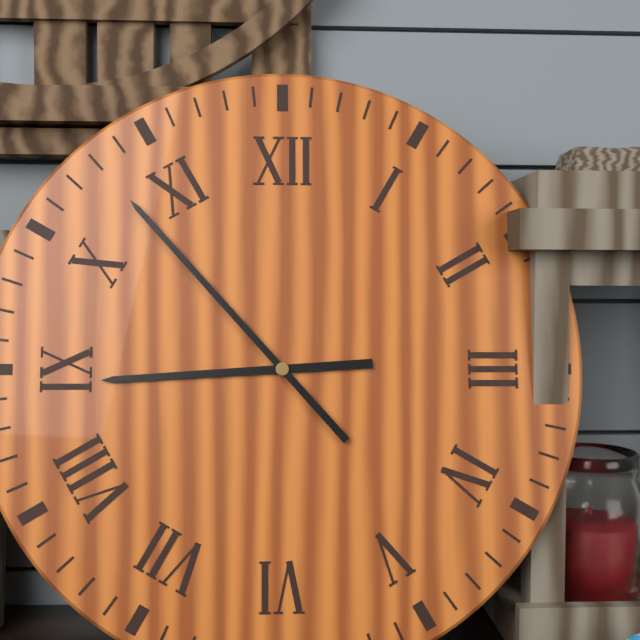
8:53
